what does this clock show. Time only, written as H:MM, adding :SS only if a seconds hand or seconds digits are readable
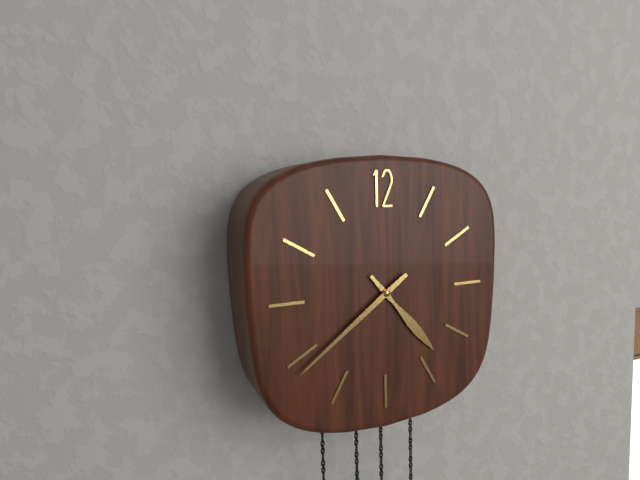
4:39
